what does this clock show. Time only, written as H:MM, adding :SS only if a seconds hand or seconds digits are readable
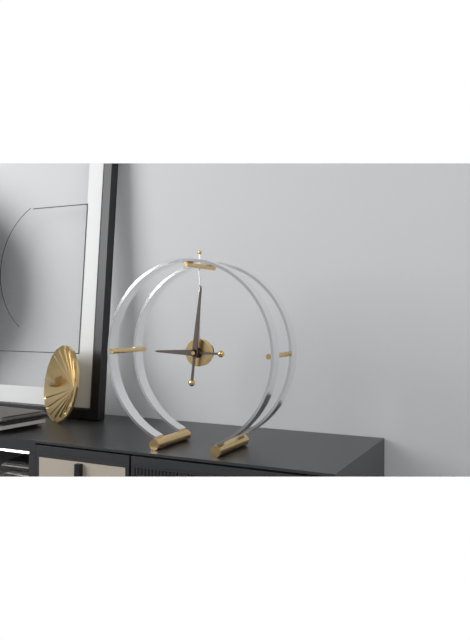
9:01
